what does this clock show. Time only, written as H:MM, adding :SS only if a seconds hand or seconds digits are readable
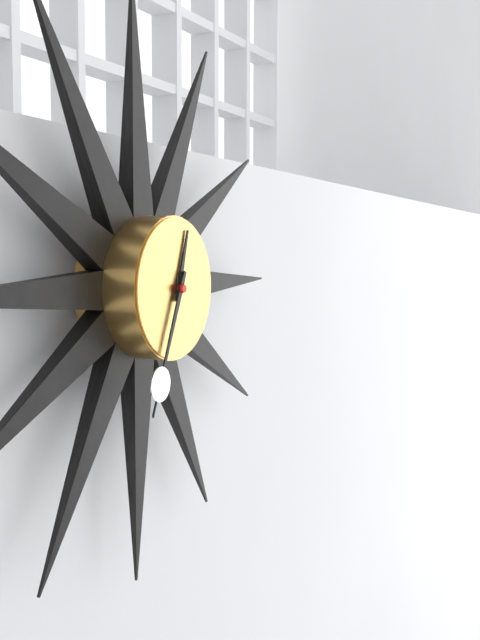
12:34
